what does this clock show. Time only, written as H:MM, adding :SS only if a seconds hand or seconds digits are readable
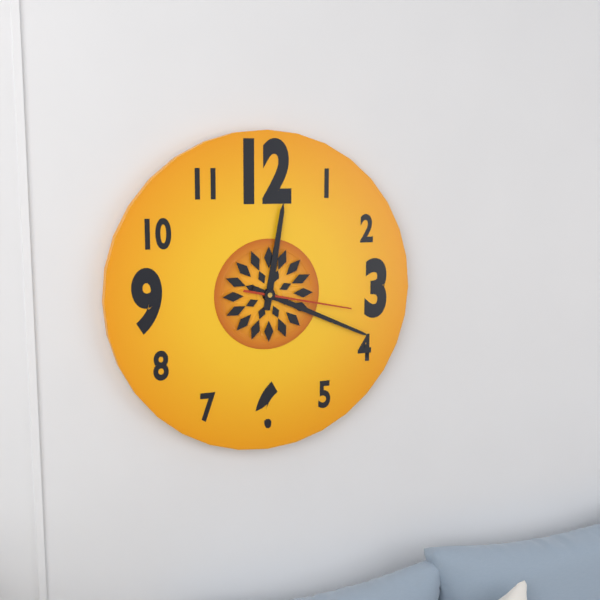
12:19:17
